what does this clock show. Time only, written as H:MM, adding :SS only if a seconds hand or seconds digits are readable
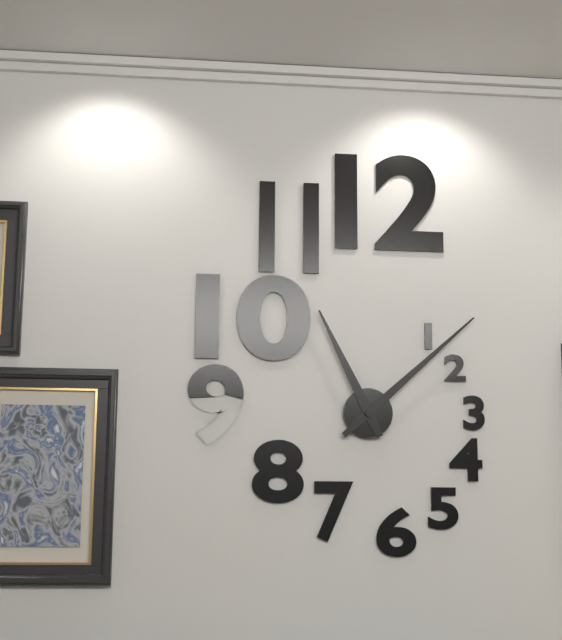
11:08
